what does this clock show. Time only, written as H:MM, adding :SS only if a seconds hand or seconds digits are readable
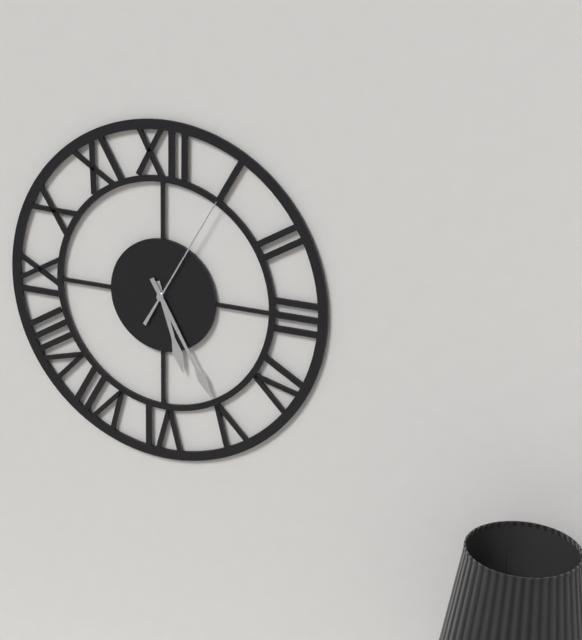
5:25:05
